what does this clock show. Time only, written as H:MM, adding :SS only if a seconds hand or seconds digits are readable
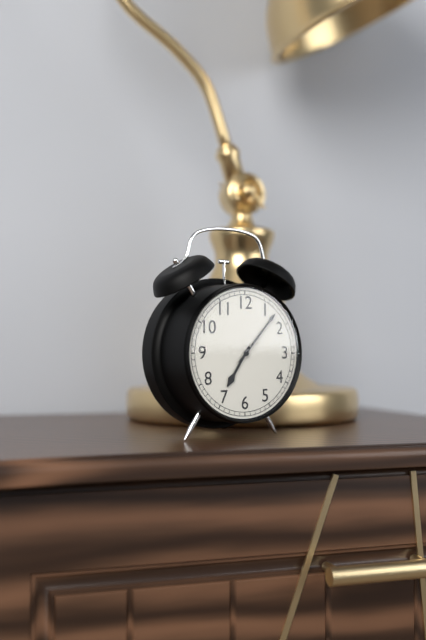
7:07
